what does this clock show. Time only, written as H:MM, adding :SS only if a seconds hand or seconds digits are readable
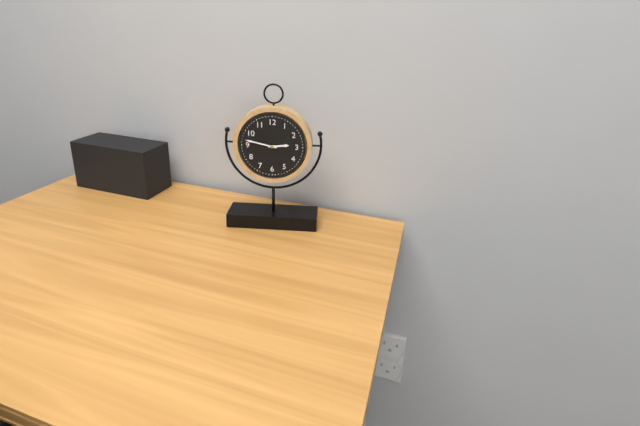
2:47
